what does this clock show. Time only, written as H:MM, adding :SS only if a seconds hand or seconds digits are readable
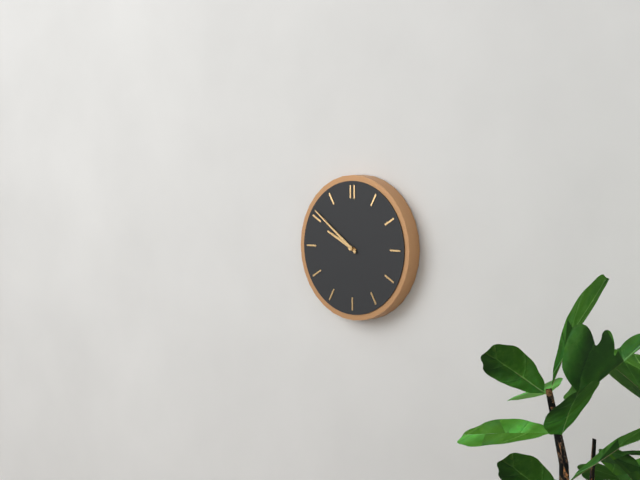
9:51
